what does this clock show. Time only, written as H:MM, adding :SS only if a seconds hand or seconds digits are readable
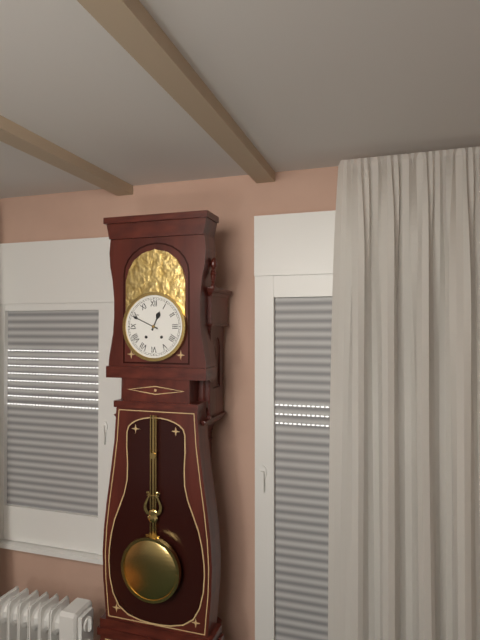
12:49
